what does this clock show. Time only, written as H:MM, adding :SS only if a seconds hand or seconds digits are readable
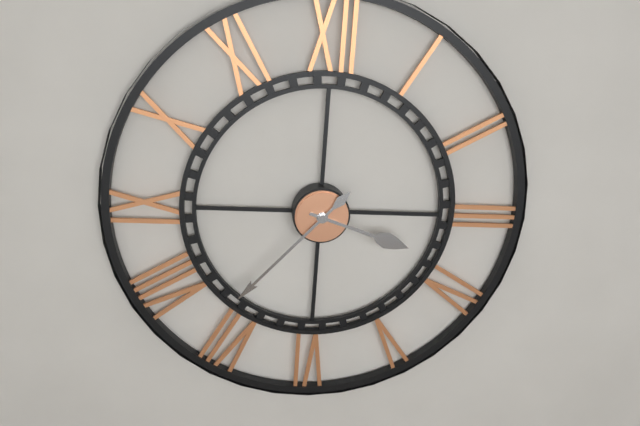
3:37
